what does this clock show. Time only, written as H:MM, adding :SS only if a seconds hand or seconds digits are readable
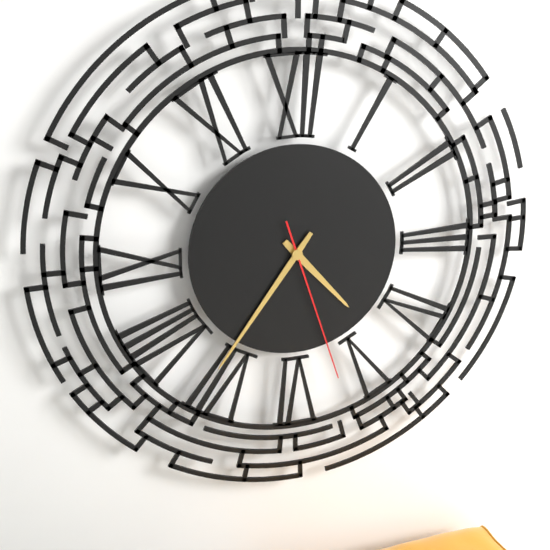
4:36:27
